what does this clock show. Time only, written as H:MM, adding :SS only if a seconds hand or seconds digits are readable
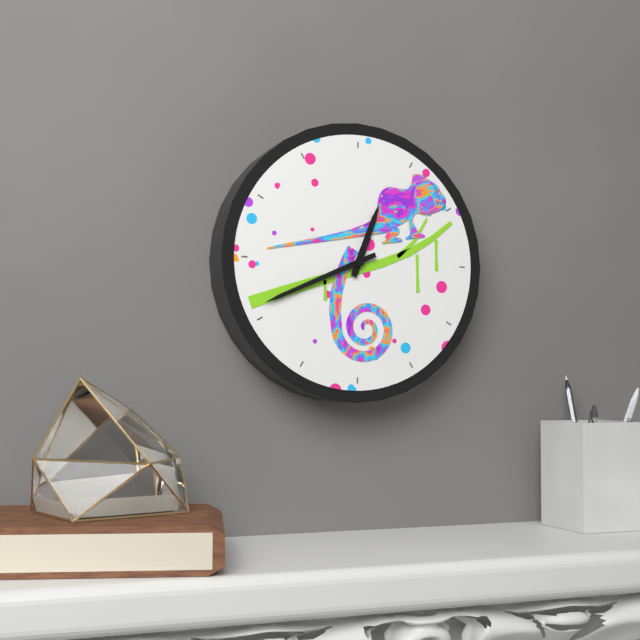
12:41
